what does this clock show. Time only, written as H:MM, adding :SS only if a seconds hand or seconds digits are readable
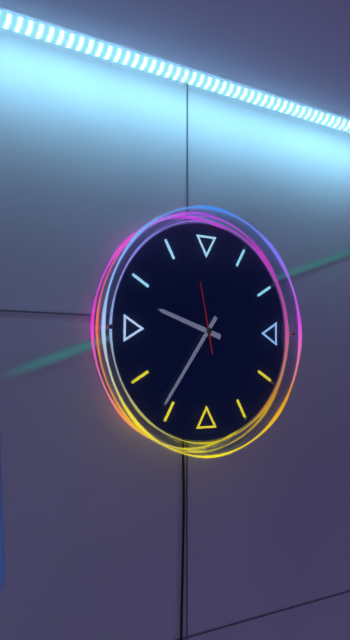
9:36:58
